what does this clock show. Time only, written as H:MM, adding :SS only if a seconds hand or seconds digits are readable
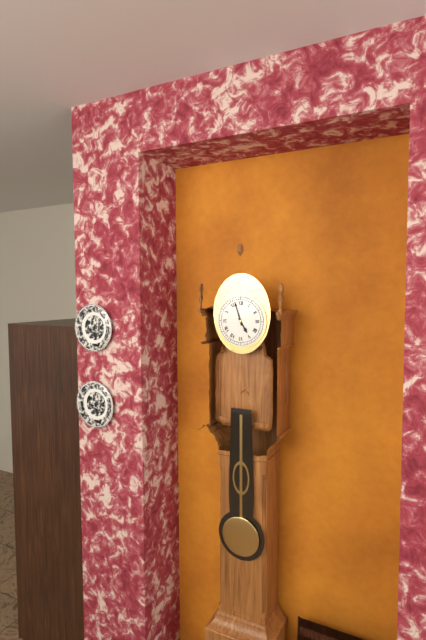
4:57
